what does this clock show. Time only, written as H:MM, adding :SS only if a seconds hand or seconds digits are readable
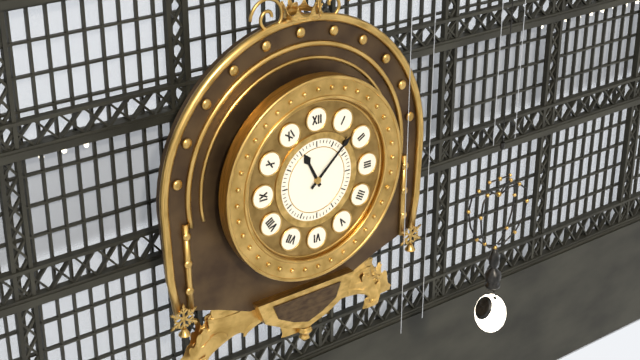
11:08
